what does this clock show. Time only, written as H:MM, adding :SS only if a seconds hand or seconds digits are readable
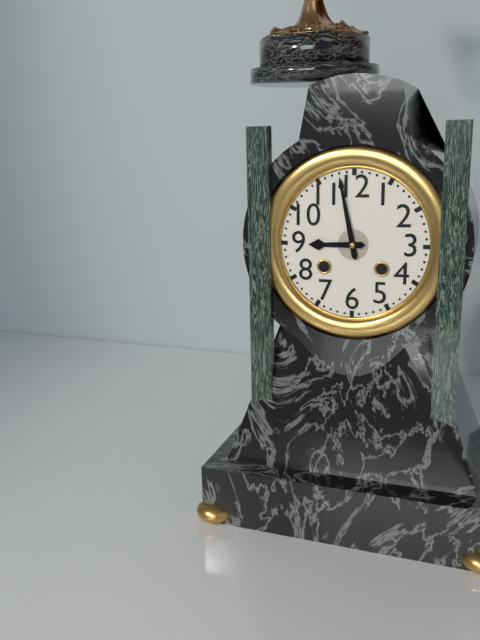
8:58
